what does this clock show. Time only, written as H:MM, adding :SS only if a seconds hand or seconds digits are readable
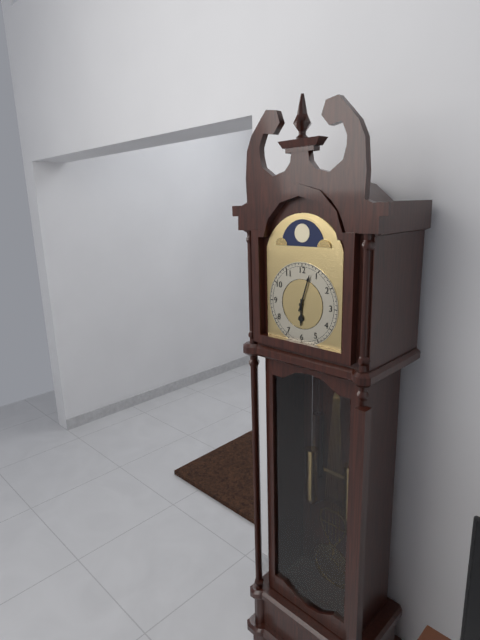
6:03
